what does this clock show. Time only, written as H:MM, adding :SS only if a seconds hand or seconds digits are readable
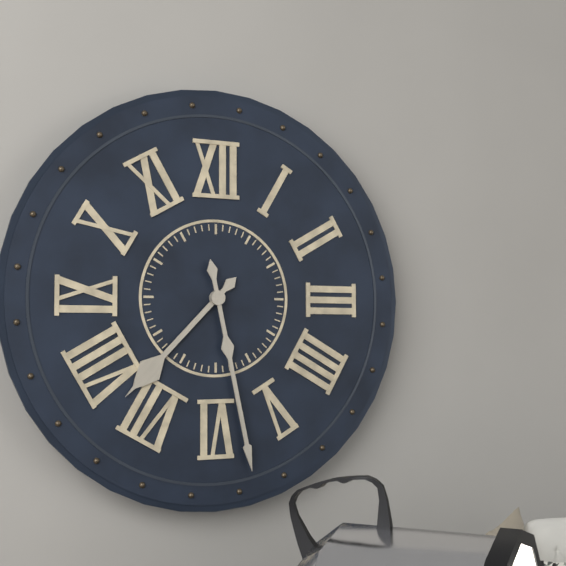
7:28
